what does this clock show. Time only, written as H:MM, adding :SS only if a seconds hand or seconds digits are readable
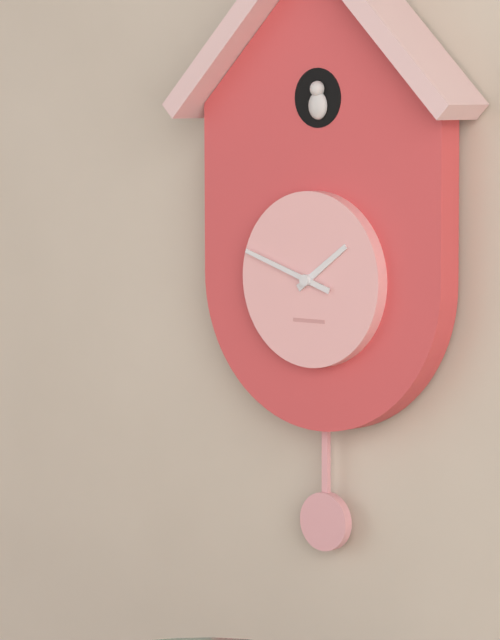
1:48
